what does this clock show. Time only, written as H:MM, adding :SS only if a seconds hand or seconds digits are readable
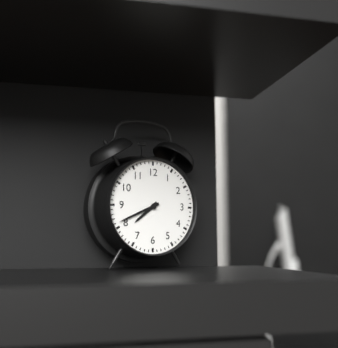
7:41
